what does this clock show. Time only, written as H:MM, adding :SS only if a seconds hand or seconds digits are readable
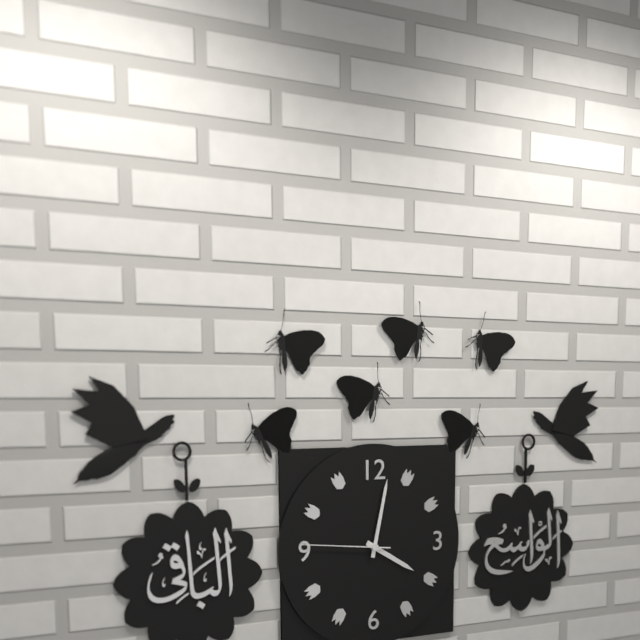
4:02:46
